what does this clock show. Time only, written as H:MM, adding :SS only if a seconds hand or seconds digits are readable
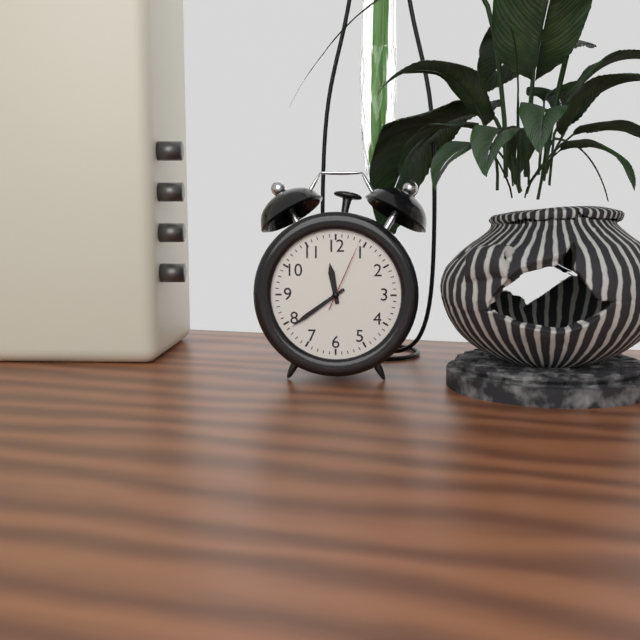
11:39:04
